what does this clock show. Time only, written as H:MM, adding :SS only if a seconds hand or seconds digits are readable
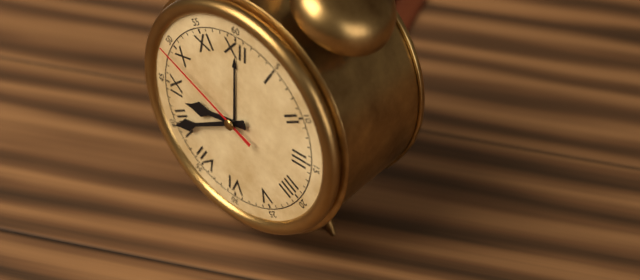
8:40:49
